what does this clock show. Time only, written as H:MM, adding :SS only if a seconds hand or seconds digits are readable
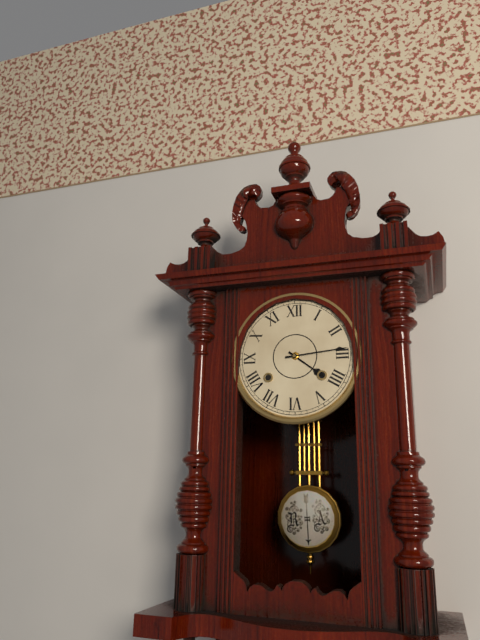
4:14
